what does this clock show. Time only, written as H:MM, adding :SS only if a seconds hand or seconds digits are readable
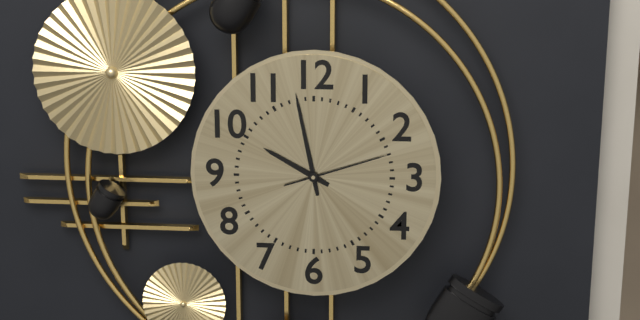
9:58:12
